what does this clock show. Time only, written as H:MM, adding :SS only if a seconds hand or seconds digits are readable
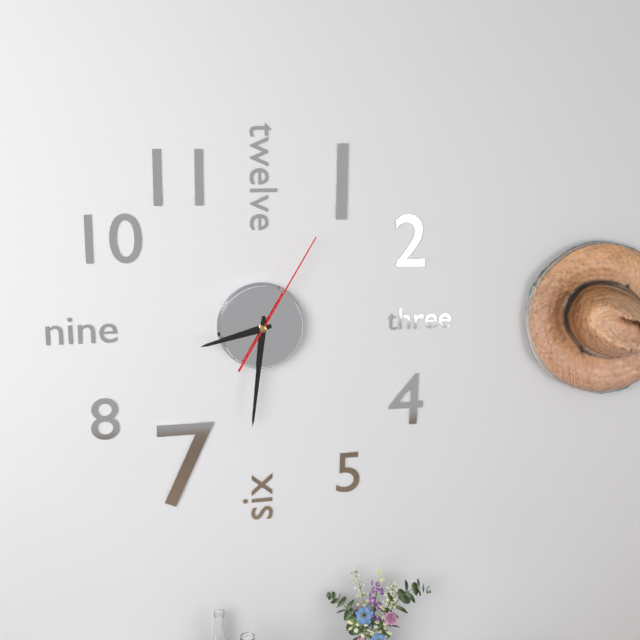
8:31:05
